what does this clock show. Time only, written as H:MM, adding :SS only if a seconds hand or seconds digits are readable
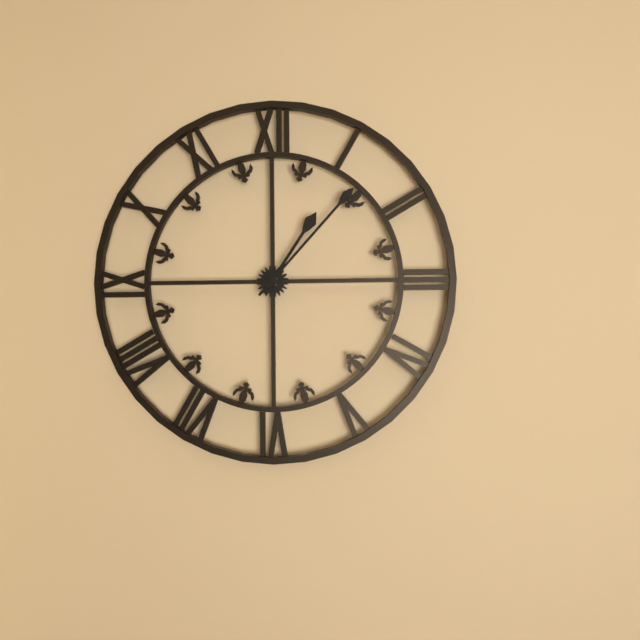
1:07
